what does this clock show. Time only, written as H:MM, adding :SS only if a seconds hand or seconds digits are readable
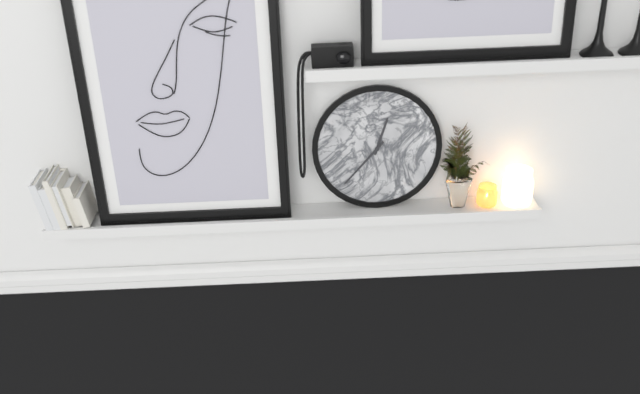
12:37
